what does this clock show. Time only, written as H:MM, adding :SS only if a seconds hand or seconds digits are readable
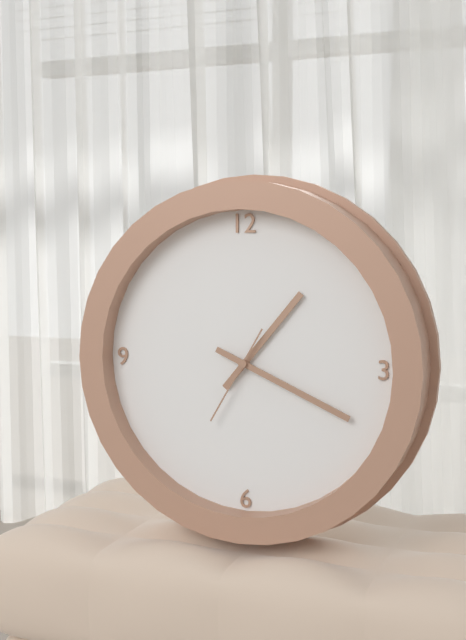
1:19:35
